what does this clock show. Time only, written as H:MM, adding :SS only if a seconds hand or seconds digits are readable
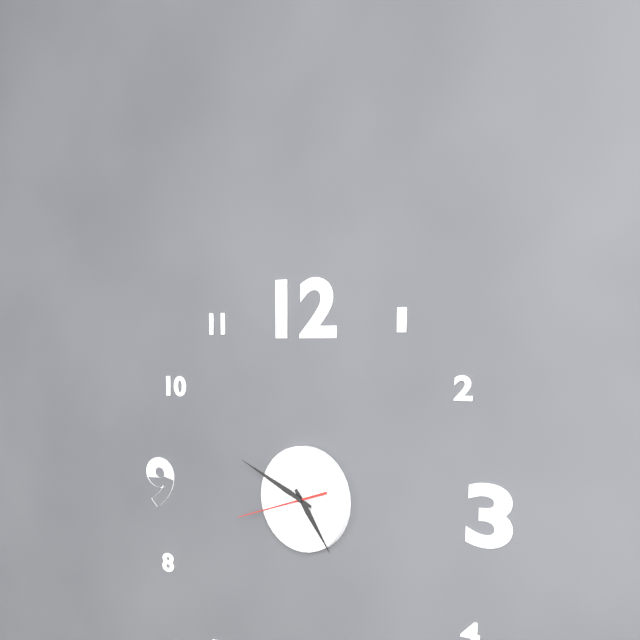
4:49:42
